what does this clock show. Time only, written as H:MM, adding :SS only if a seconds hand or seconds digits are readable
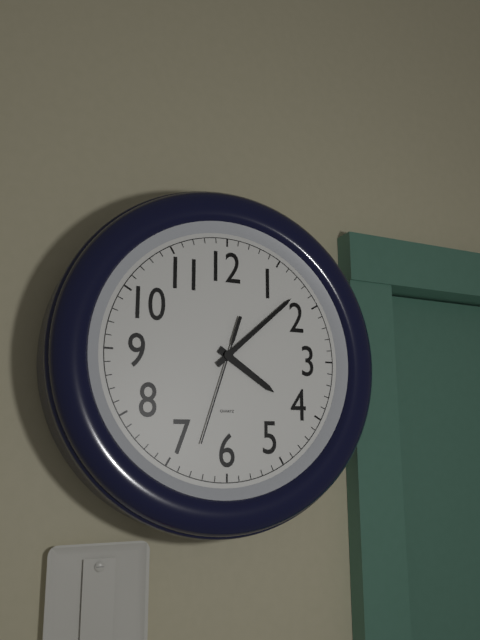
4:08:33
